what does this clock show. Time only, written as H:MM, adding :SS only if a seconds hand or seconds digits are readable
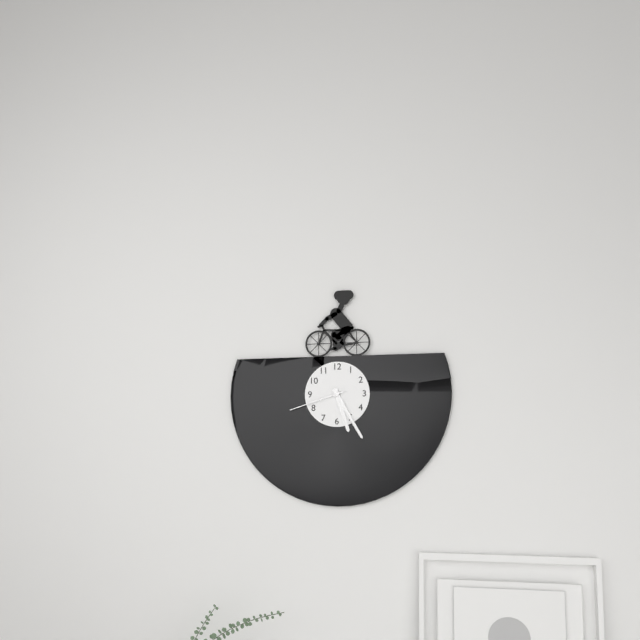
5:25:42
